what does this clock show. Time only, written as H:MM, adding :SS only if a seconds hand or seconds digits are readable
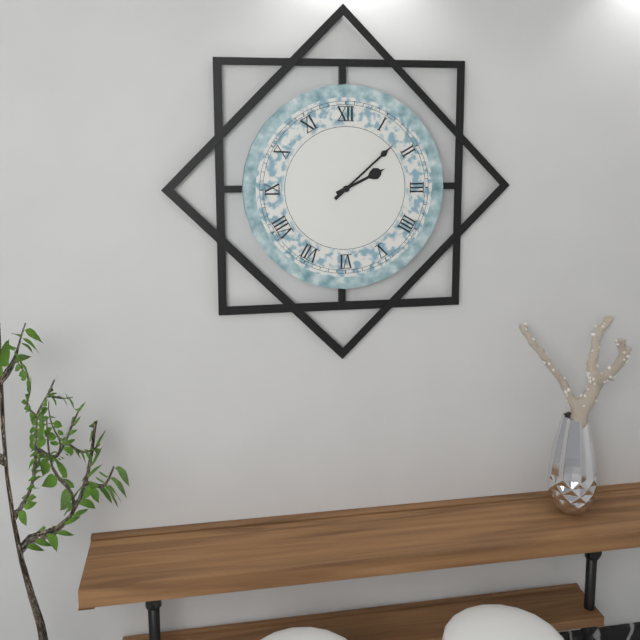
2:08
